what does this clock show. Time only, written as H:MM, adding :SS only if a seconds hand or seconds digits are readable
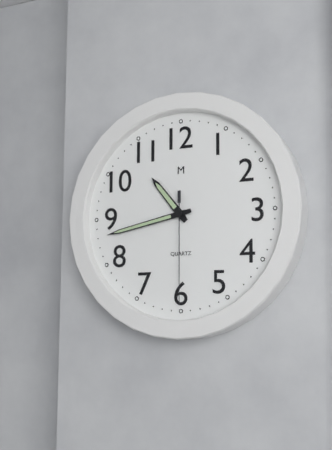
10:43:30
